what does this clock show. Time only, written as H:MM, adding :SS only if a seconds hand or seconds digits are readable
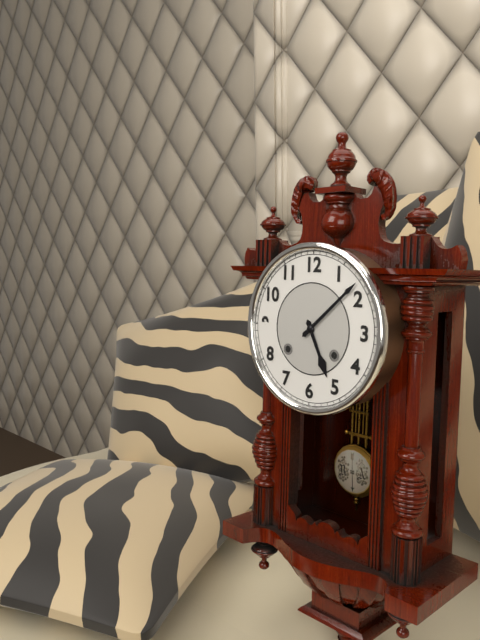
5:08
